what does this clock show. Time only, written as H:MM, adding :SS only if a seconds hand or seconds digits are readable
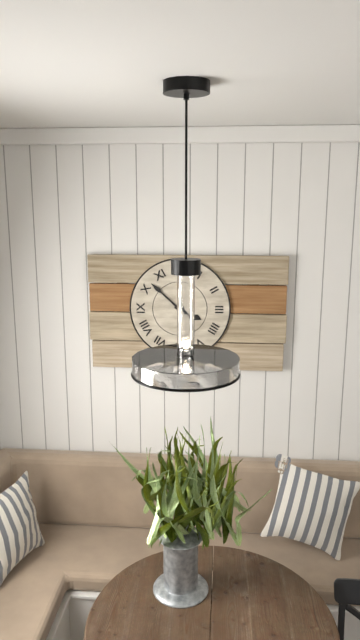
3:52
